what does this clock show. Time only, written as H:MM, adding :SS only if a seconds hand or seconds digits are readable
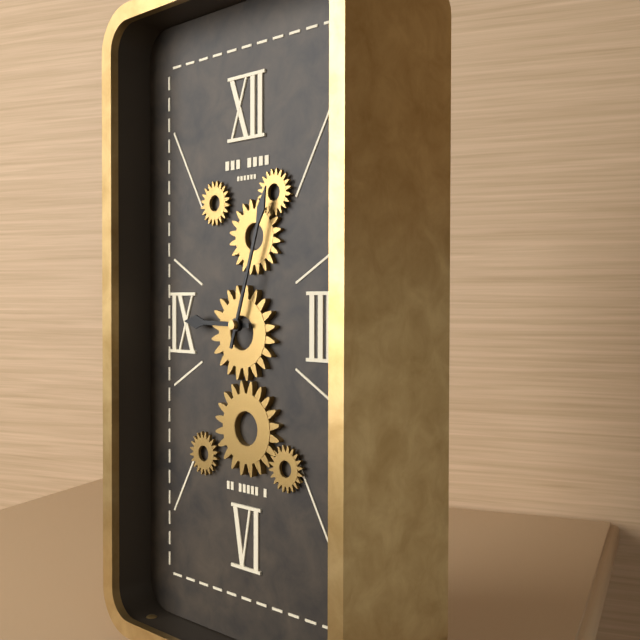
9:03
